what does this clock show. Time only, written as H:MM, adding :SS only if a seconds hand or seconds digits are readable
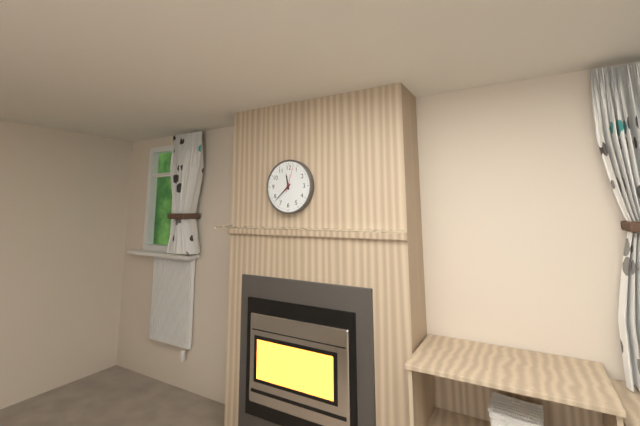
11:38
